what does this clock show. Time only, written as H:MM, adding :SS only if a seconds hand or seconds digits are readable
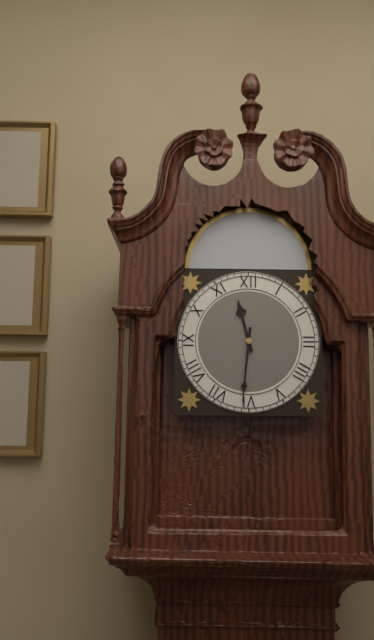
11:31
